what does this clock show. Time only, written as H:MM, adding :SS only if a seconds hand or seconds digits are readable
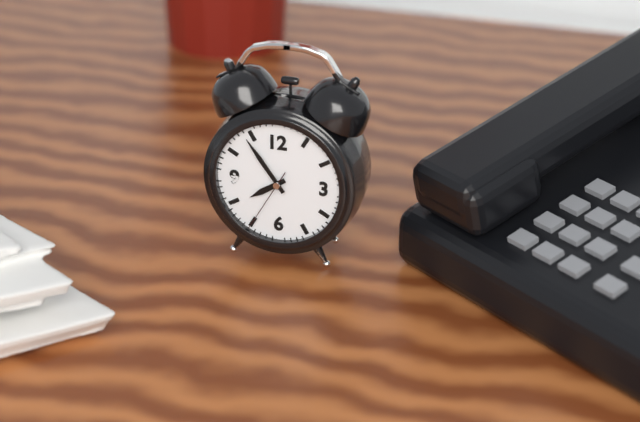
7:54:35
